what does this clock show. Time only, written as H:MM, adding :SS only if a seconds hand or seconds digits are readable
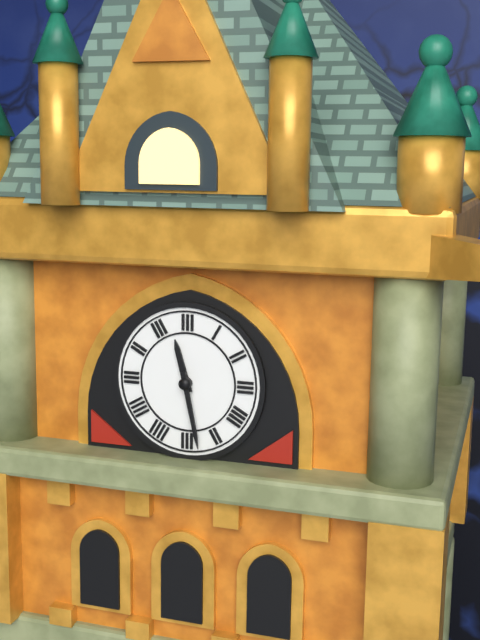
11:28
